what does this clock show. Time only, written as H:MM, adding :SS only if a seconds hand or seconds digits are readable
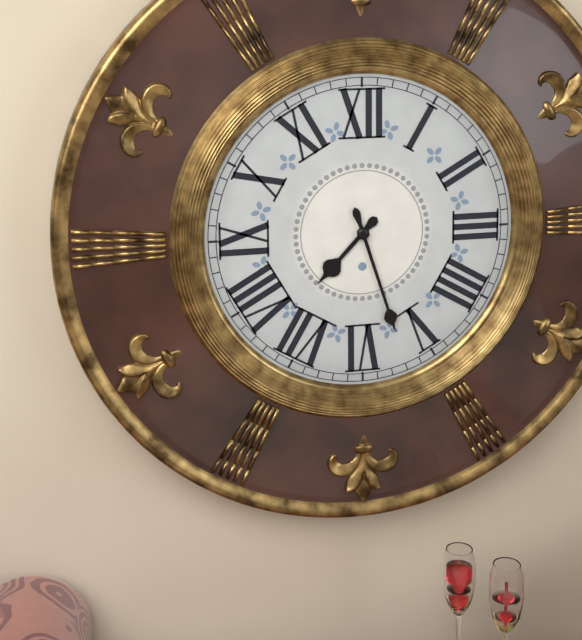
7:27
